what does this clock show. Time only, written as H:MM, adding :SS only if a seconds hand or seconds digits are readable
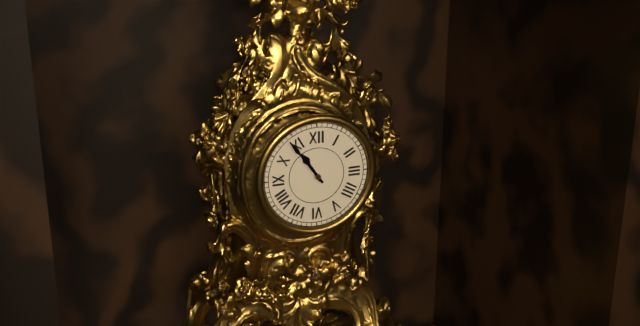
10:54
